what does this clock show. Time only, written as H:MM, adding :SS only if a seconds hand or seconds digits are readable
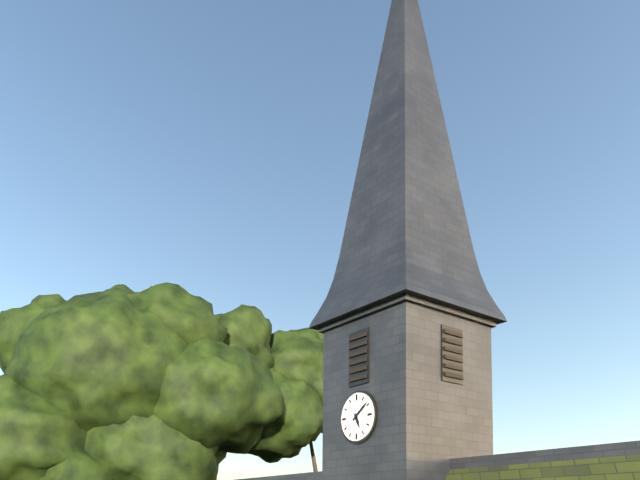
5:09
